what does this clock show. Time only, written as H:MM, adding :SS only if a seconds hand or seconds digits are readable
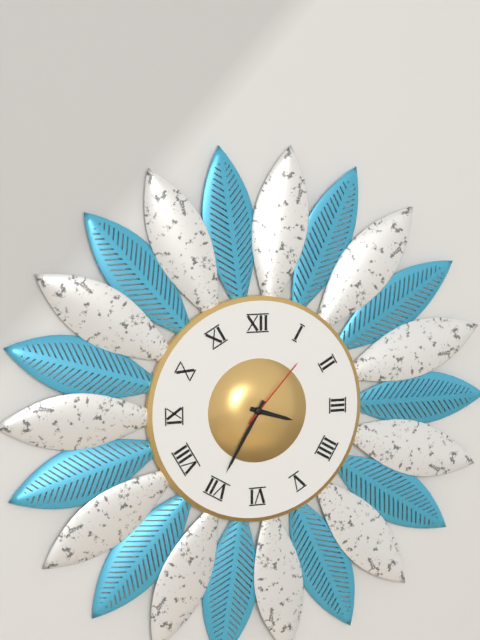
3:35:07
